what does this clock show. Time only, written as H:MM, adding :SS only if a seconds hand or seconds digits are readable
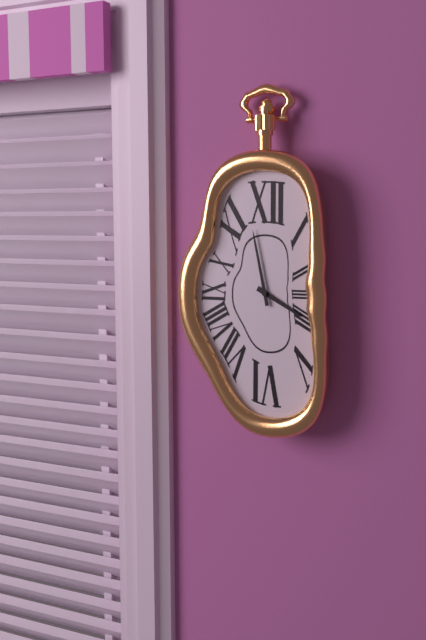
3:58
